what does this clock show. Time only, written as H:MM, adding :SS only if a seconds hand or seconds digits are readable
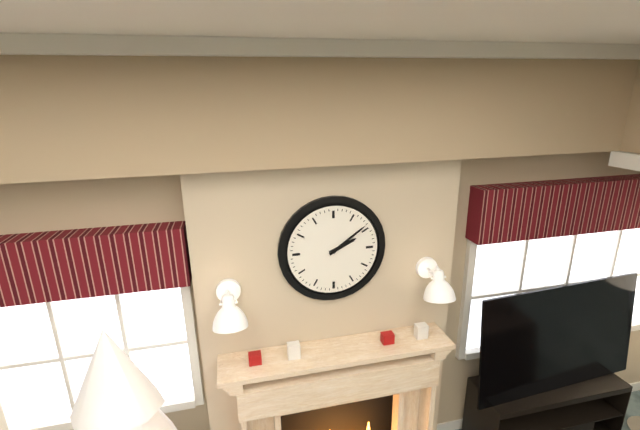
2:09
